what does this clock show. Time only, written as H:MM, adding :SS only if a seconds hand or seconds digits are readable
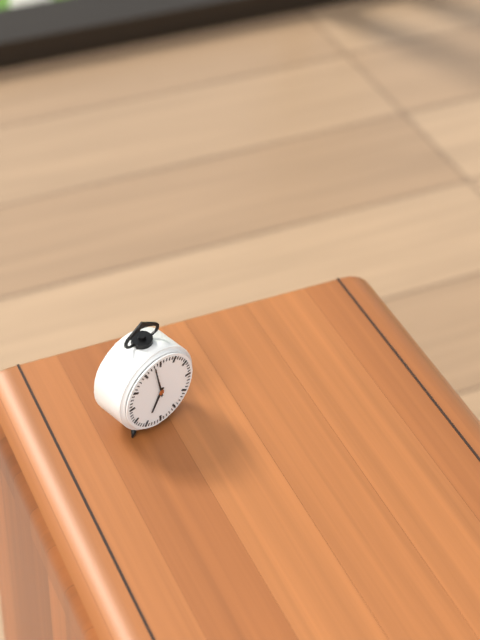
6:58
